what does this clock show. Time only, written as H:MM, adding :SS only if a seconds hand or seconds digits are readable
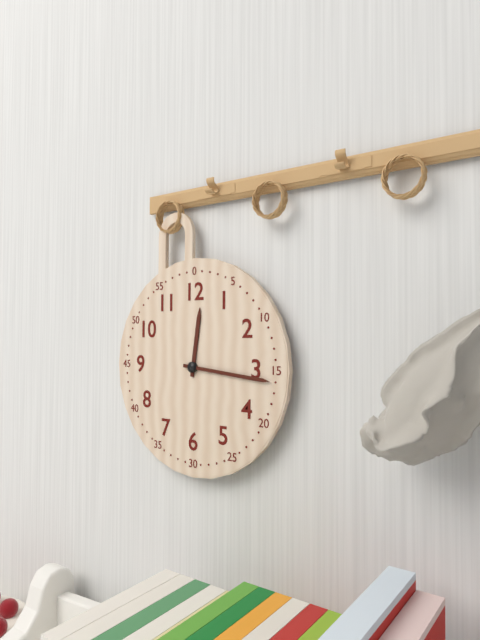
12:16
